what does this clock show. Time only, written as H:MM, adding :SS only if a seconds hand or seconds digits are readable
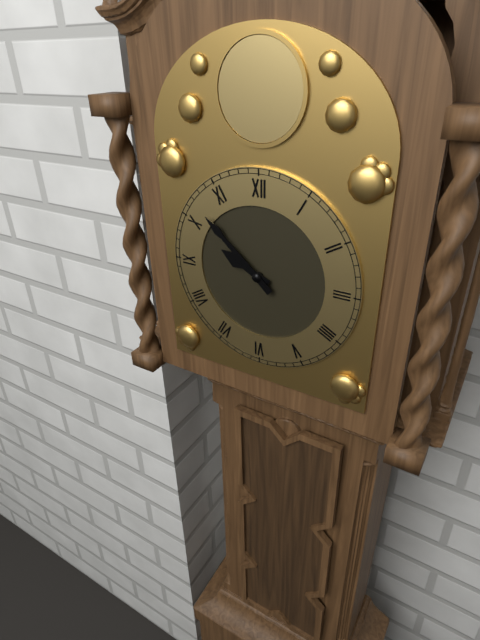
9:52
